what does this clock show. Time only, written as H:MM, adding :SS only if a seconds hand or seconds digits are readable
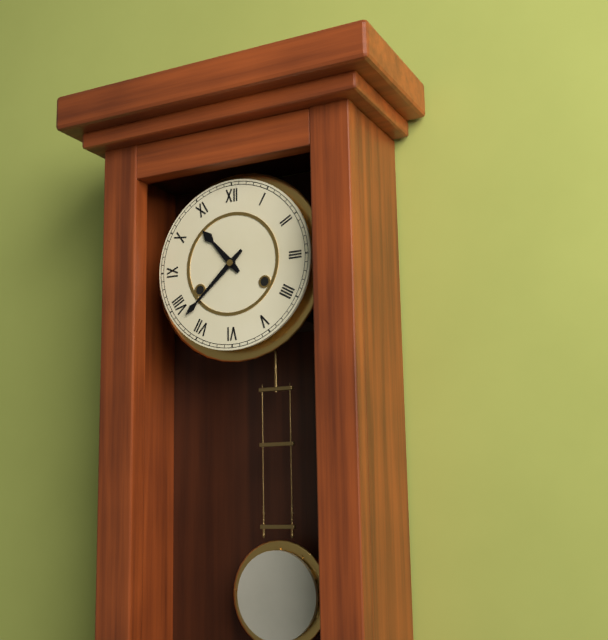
10:38
